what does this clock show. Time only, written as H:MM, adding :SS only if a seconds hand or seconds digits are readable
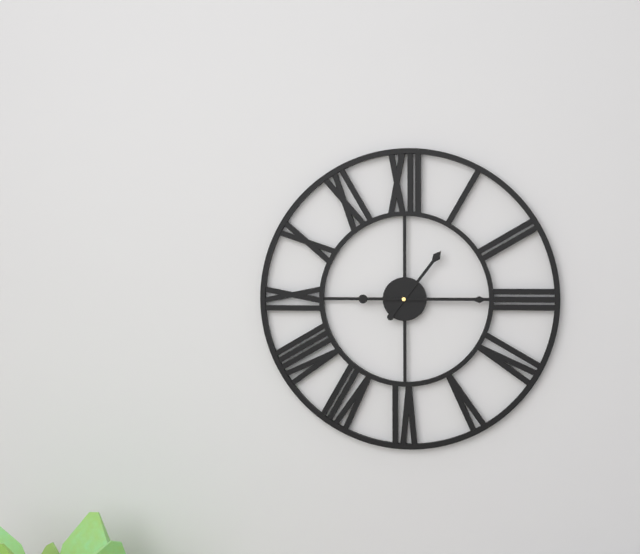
1:15
